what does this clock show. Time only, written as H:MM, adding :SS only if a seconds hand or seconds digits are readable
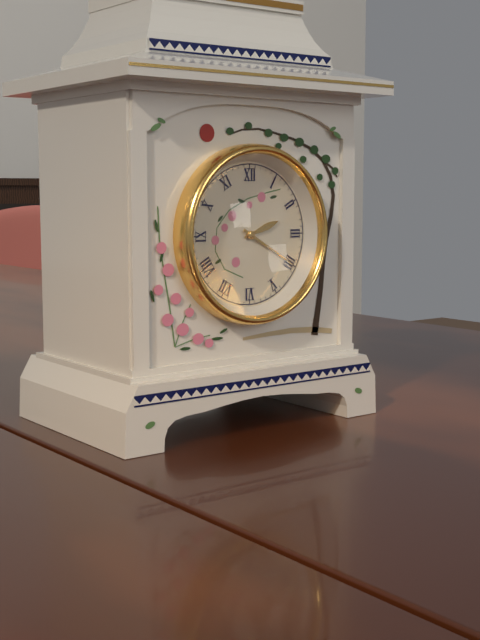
2:20
